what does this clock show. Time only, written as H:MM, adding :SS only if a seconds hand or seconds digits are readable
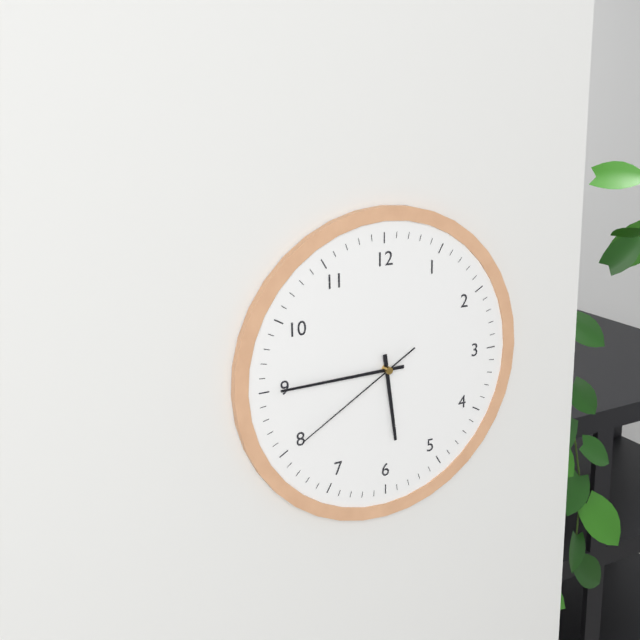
5:45:40
